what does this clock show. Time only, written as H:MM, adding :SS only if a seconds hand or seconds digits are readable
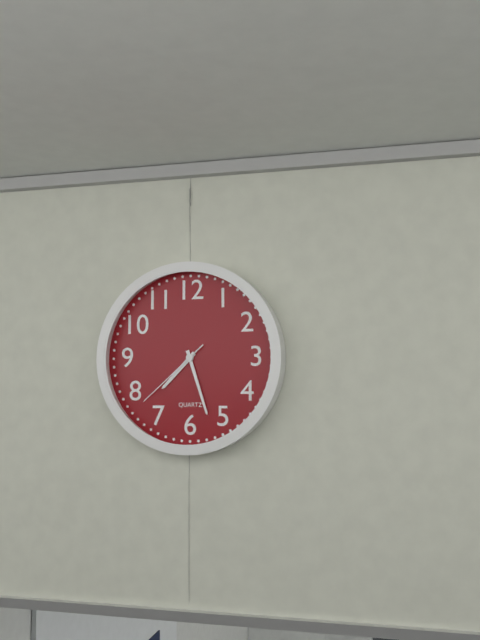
7:27:38
